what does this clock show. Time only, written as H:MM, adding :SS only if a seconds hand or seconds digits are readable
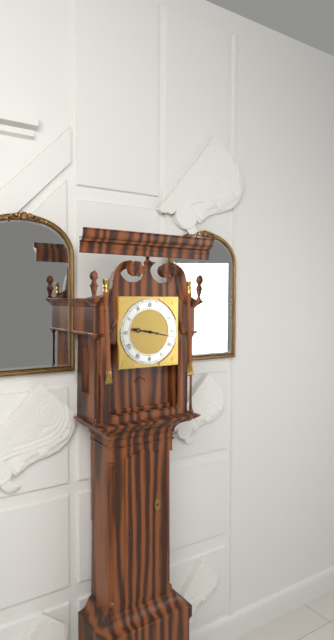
9:17
